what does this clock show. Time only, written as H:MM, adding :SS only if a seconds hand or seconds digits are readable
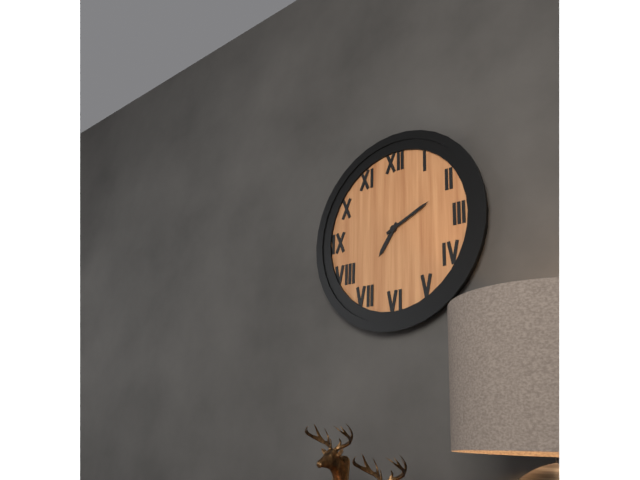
7:11
